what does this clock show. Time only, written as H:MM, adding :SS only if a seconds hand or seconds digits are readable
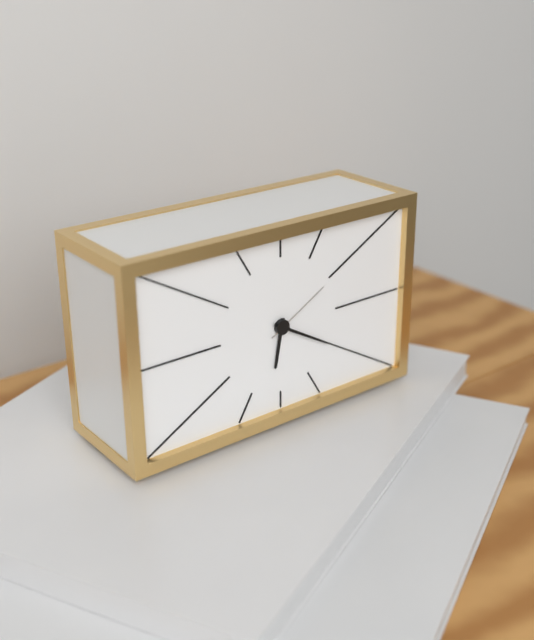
6:20:10
